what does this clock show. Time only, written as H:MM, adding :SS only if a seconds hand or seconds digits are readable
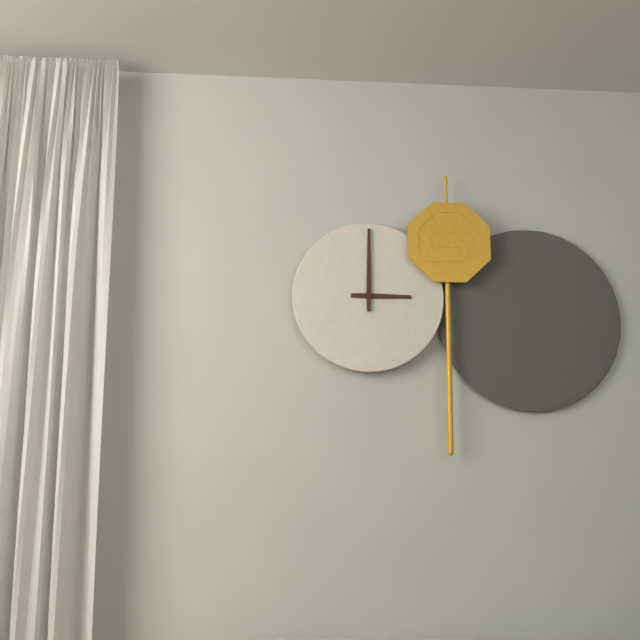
3:00
